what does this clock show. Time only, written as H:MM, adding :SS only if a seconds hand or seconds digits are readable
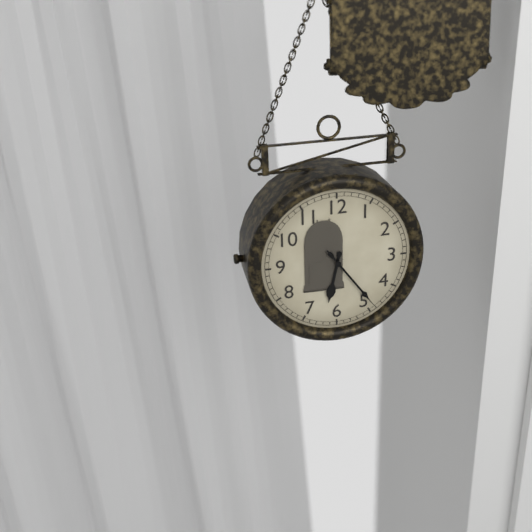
6:24:24
